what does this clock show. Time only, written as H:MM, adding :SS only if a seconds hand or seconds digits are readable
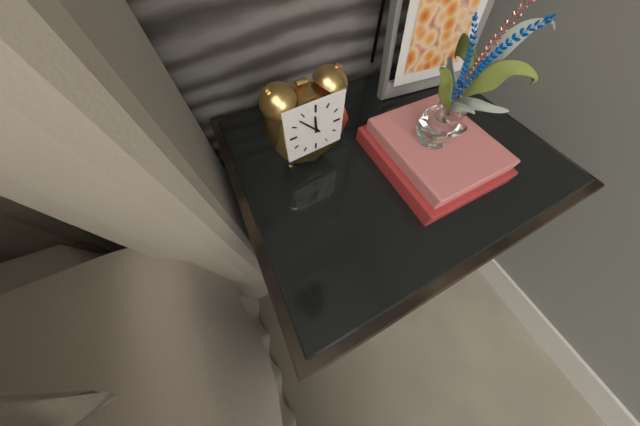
11:53
